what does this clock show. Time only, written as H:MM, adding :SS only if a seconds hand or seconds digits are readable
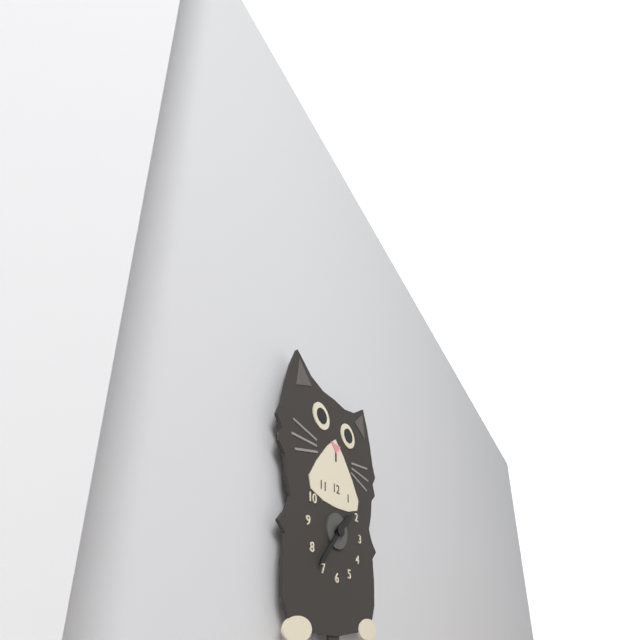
1:37
